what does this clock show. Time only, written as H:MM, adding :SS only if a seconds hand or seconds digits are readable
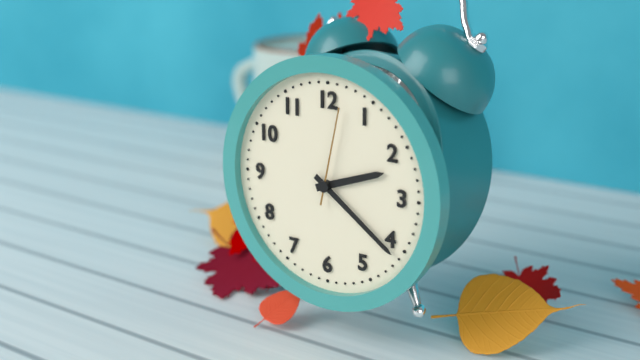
2:21:02
